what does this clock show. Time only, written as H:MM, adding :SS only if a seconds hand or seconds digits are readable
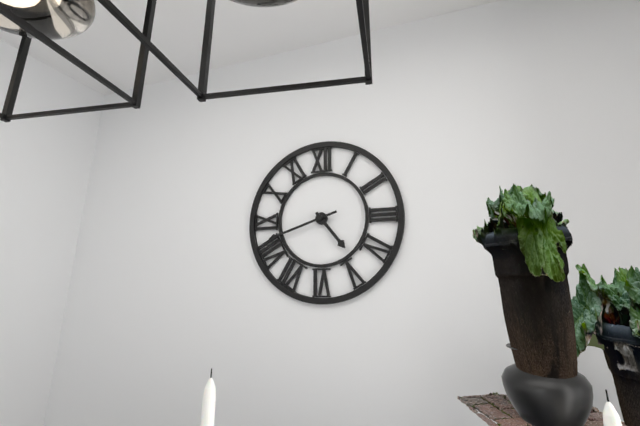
4:42
